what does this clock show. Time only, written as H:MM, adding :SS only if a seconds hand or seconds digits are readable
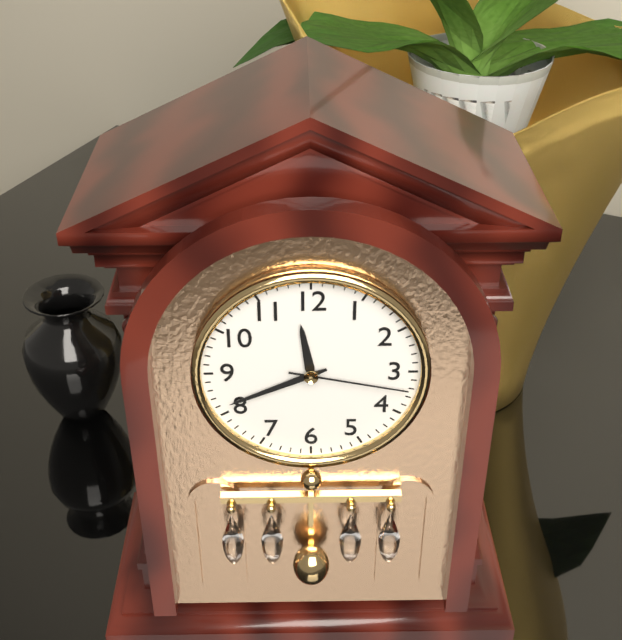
11:41:17
